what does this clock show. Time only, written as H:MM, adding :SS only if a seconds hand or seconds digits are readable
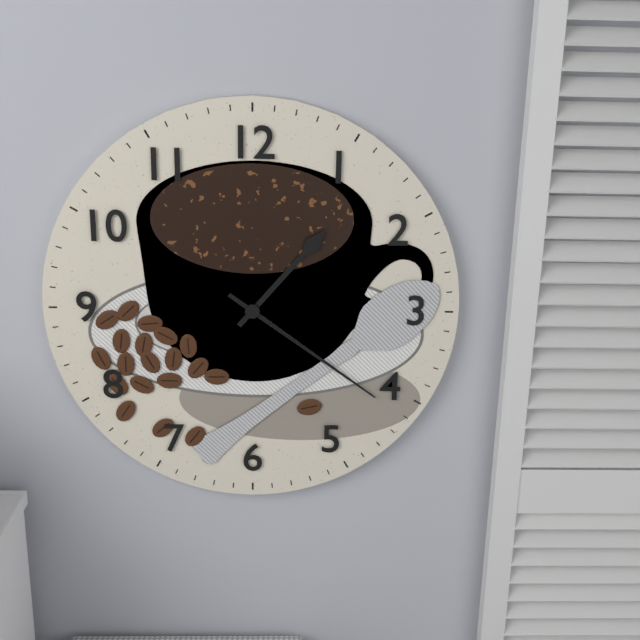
1:21
